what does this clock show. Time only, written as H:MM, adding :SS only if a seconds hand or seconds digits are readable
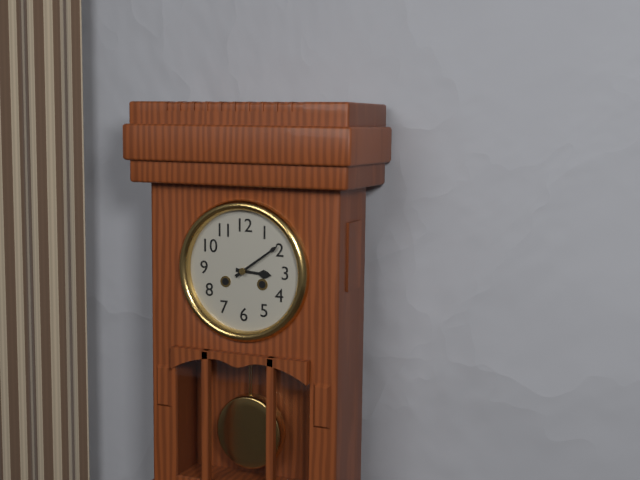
3:09
